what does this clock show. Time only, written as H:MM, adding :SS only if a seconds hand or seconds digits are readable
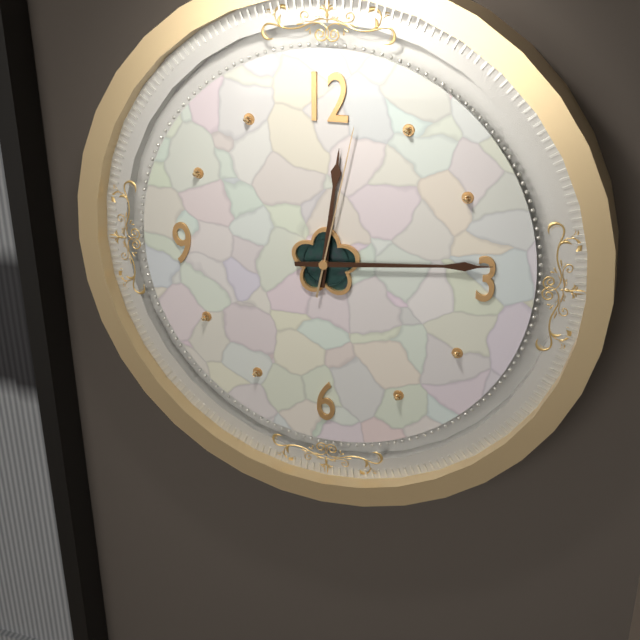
12:14:02
